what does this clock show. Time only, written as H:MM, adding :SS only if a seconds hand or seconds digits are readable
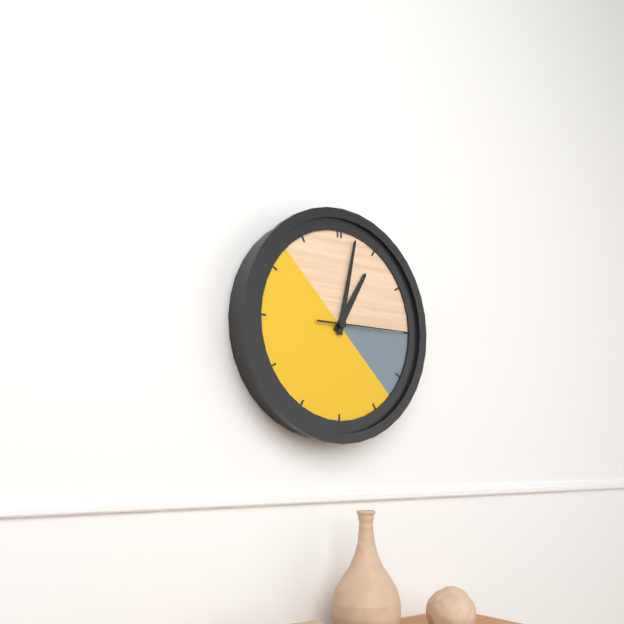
1:02:15
